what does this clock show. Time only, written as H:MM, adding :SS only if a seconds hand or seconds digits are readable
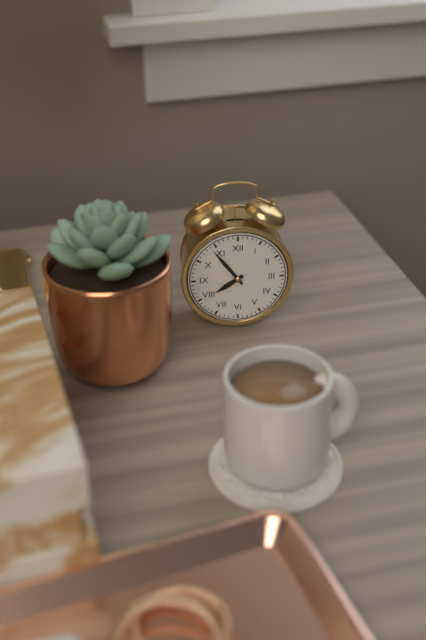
7:54
